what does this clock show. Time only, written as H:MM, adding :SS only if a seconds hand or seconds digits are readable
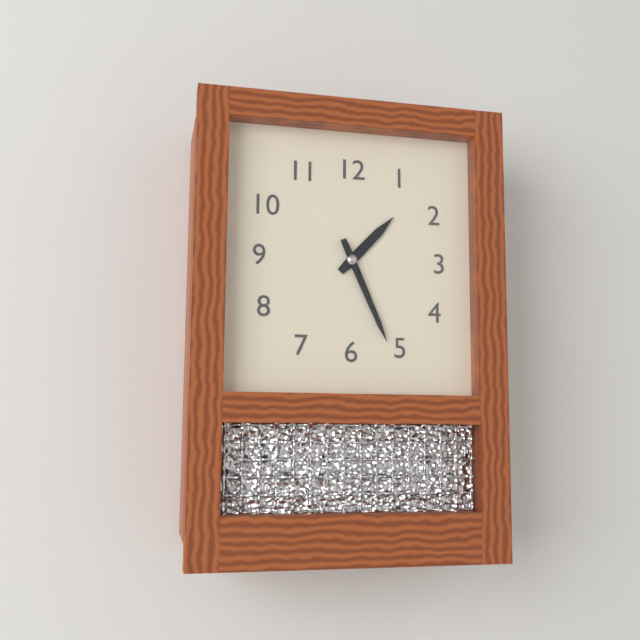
1:26
